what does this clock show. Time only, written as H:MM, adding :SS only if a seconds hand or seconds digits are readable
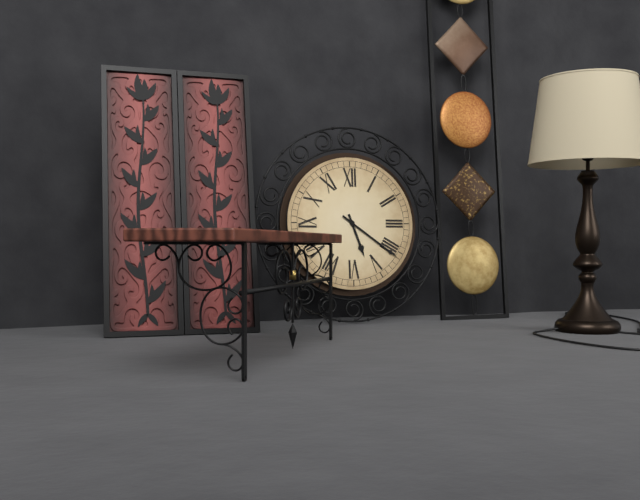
5:21
